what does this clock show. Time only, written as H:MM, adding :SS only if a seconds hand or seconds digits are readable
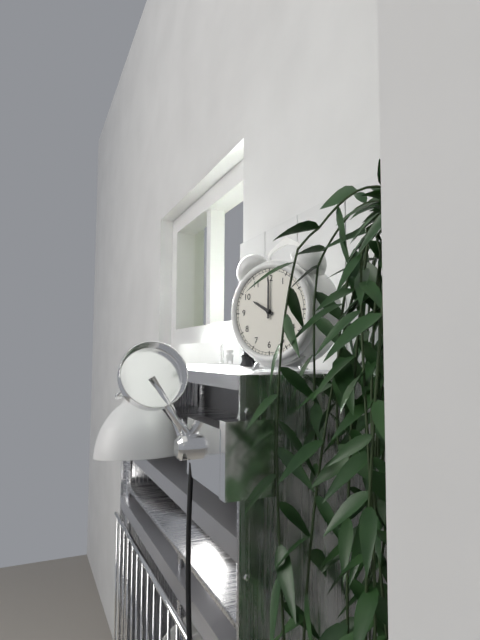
10:00
